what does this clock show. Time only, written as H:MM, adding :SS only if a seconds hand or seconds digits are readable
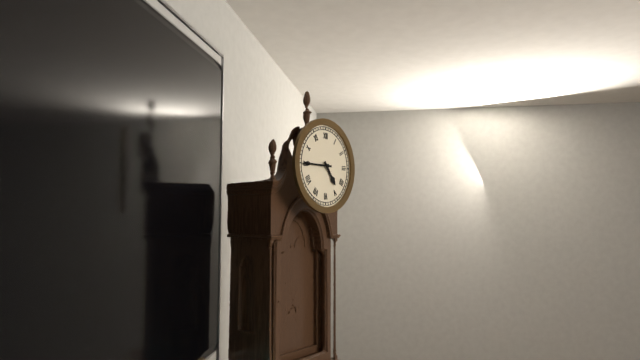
4:45
